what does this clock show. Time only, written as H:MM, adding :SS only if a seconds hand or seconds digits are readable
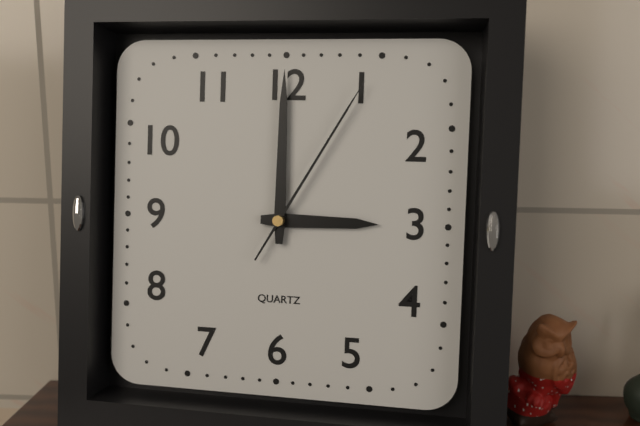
3:00:05
